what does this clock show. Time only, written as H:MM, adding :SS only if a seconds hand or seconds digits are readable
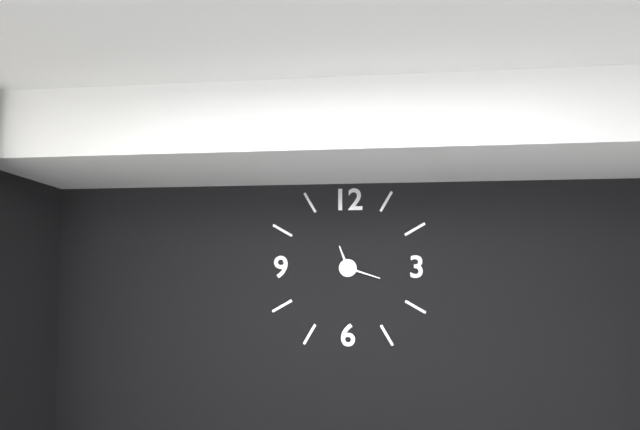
11:18
